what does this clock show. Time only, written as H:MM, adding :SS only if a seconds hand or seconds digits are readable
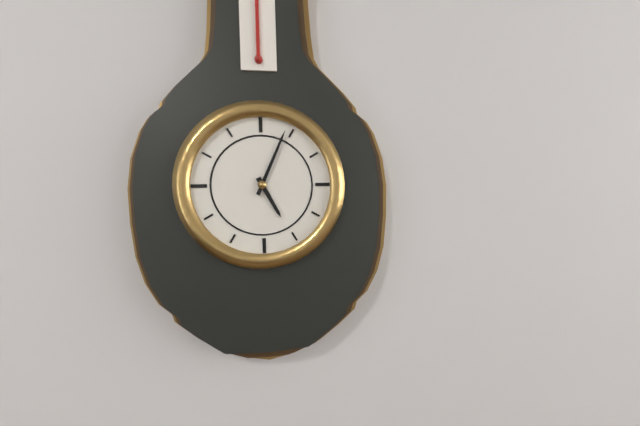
5:04
